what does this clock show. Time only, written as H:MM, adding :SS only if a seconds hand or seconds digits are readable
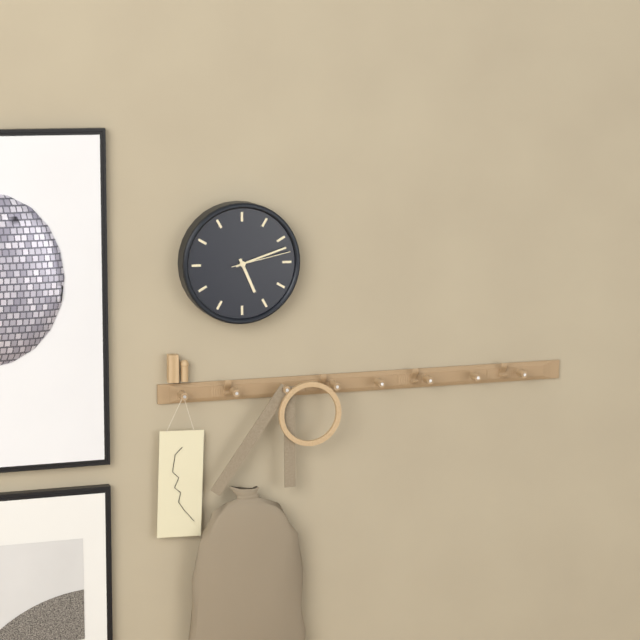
5:12:13
